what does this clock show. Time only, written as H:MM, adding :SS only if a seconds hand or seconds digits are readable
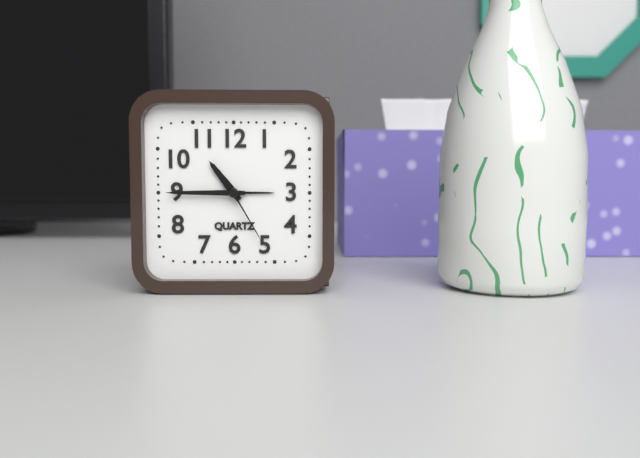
10:45:25
